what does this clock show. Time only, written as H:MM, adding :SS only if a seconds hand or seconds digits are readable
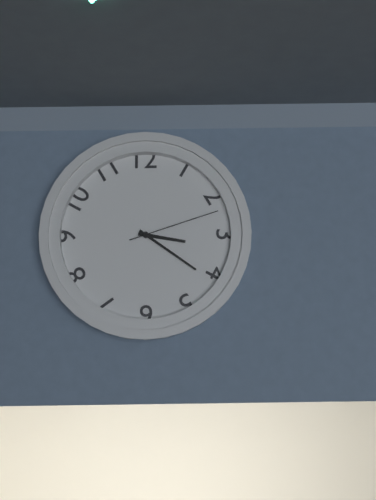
3:21:12
